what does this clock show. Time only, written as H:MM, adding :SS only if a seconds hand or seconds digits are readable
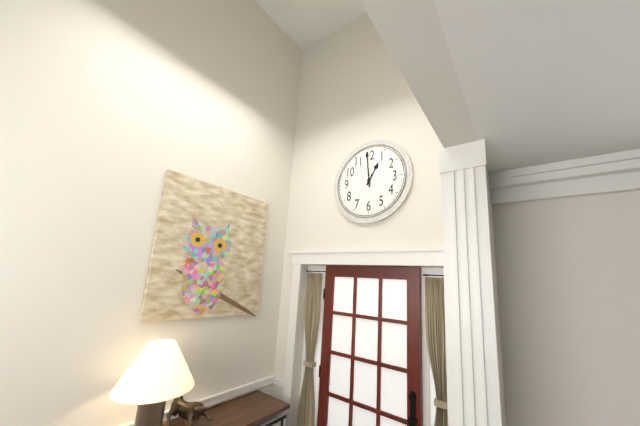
12:59
